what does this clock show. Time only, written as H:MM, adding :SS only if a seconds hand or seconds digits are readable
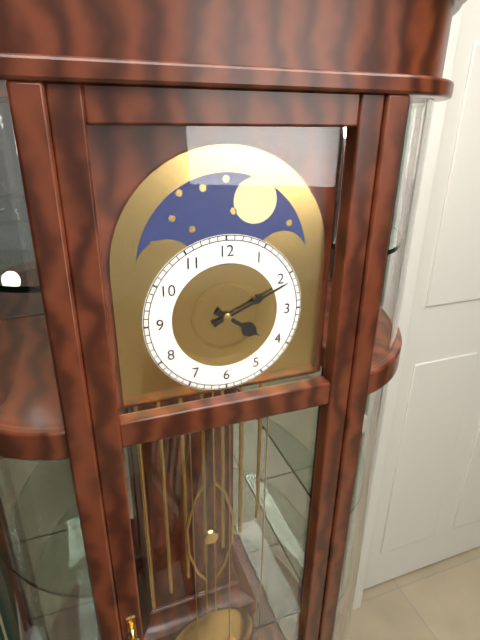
4:11
